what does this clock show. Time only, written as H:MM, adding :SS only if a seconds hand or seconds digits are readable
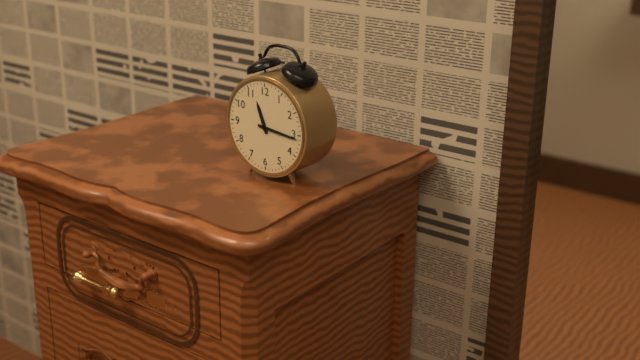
11:16
